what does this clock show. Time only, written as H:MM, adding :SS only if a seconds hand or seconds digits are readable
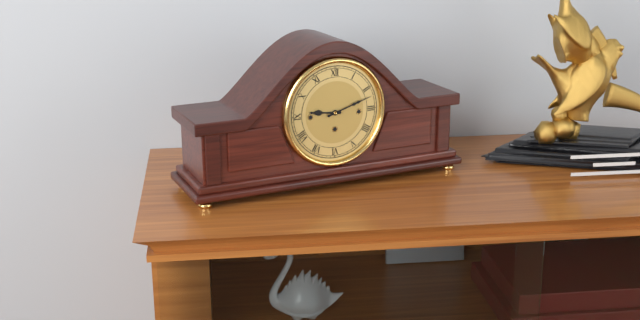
9:12
